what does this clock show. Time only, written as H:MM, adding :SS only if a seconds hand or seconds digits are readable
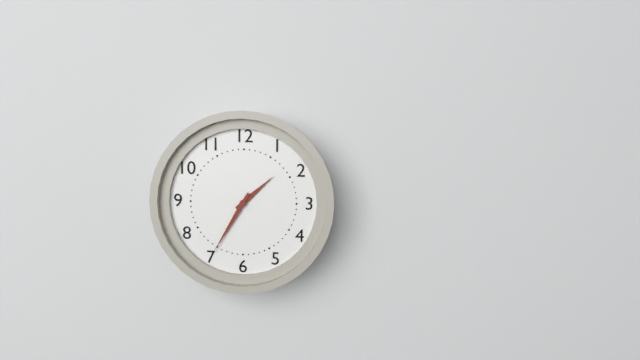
1:35
